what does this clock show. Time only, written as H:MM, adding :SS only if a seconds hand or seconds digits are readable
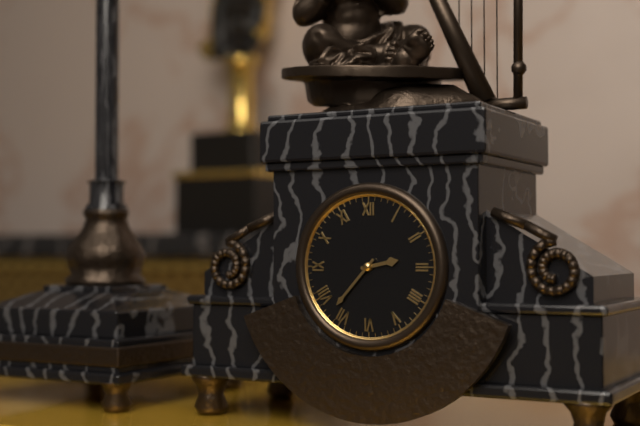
2:37
